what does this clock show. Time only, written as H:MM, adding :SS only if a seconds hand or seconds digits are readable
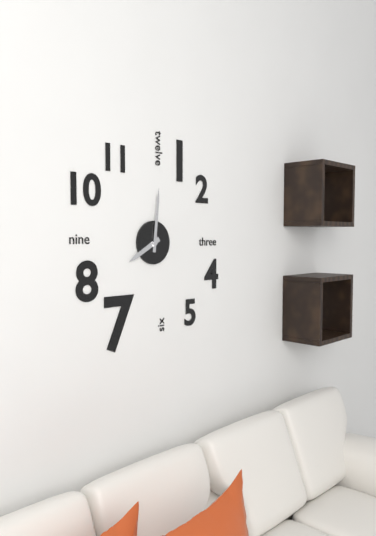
8:01
